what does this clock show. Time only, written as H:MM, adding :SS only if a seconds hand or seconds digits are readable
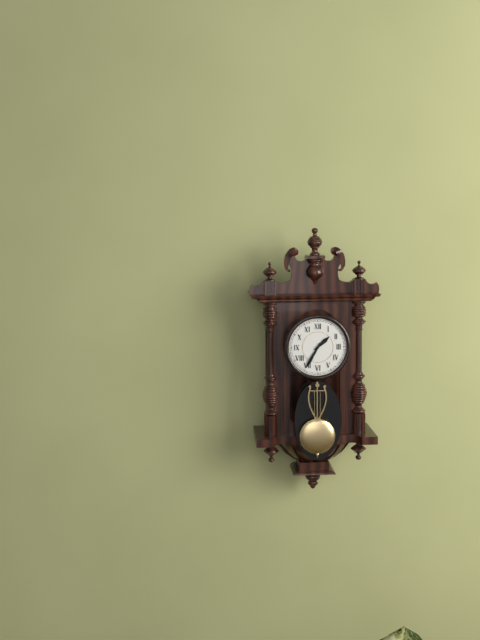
1:35
